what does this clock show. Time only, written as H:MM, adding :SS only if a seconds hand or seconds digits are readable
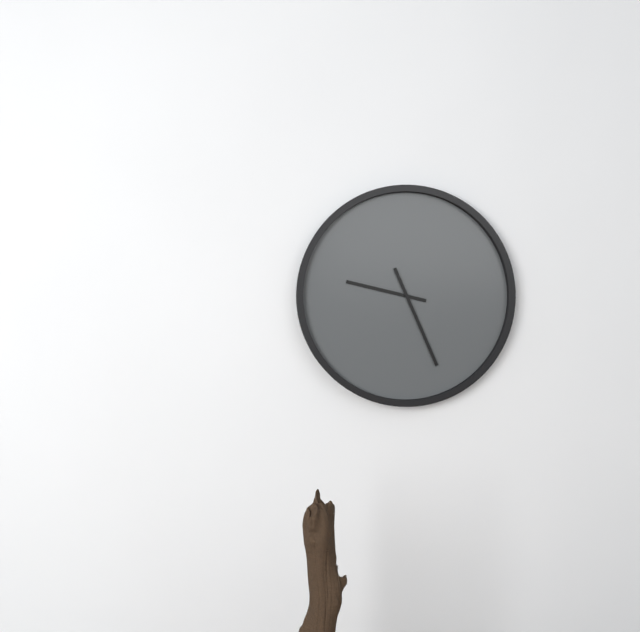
9:26
